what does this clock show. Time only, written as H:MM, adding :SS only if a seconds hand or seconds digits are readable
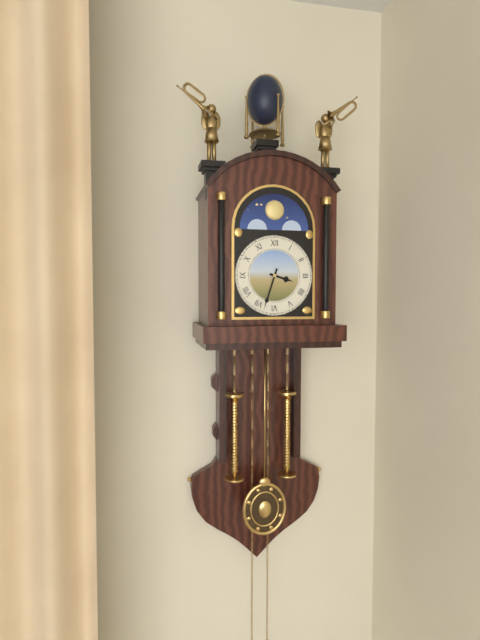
3:33
